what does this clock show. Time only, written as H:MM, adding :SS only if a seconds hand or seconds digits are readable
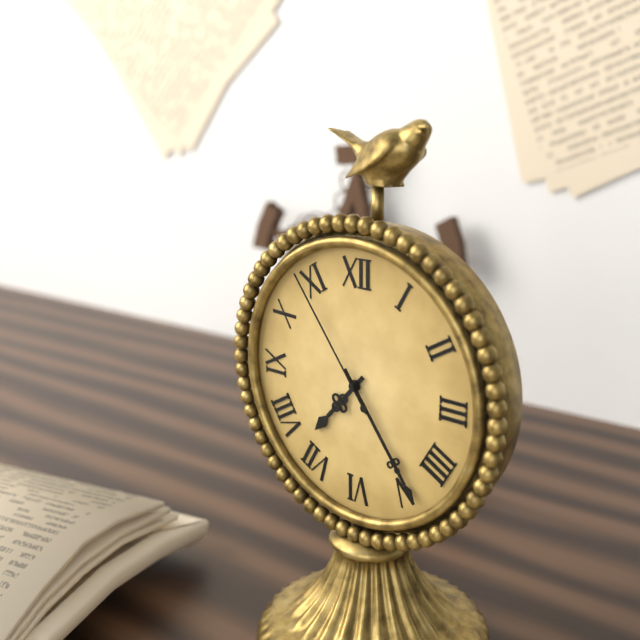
7:24:54
